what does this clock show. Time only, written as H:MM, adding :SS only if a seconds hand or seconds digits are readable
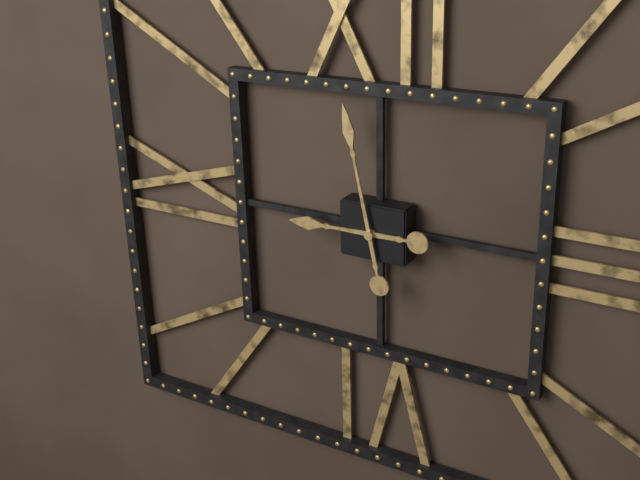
8:58
